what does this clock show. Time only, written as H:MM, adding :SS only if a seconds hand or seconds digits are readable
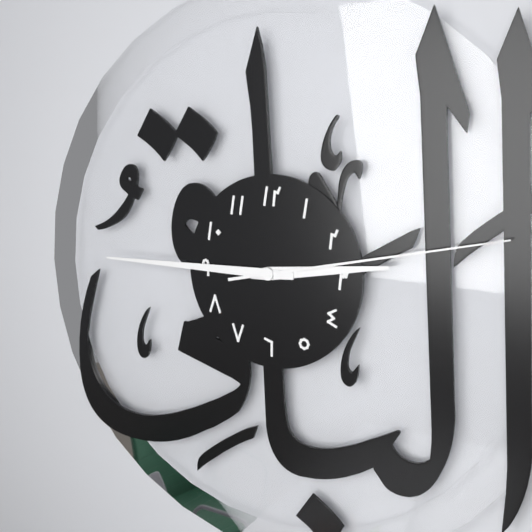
2:45:13
